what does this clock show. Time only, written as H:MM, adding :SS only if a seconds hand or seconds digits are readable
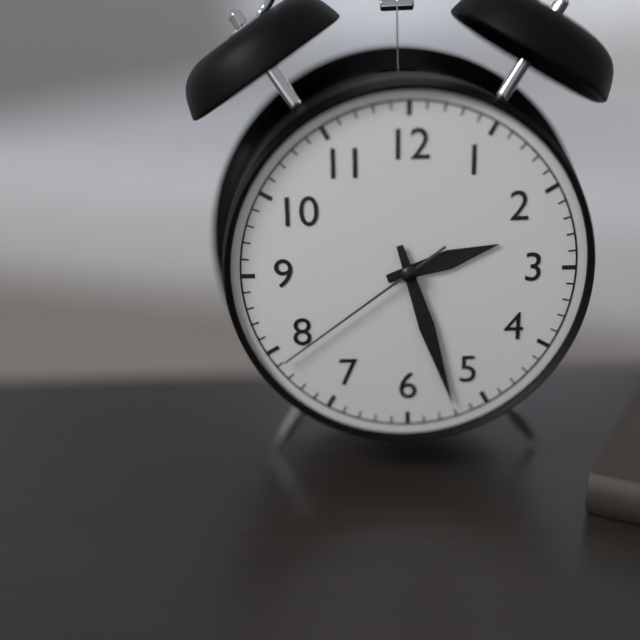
2:27:39
